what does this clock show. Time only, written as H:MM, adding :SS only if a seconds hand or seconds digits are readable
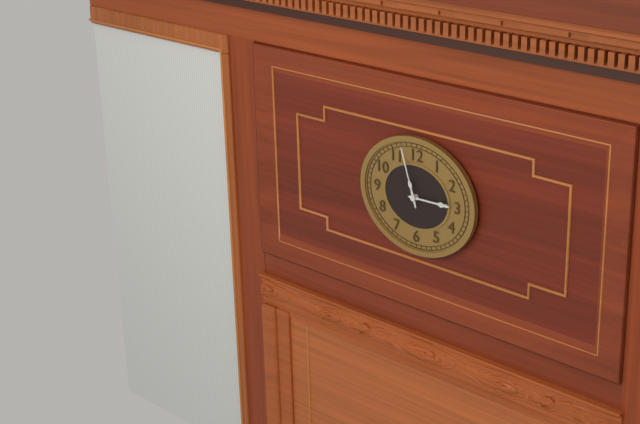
2:57
